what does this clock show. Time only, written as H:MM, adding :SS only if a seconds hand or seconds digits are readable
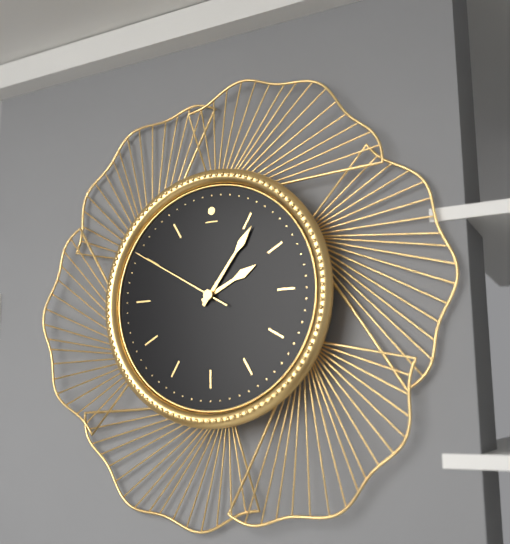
2:06:50
